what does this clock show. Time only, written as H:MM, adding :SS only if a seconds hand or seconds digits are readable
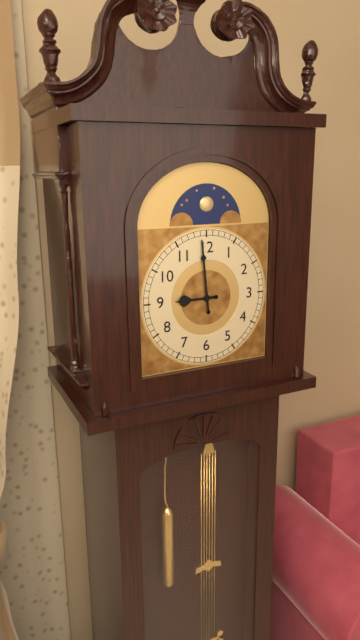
8:59
